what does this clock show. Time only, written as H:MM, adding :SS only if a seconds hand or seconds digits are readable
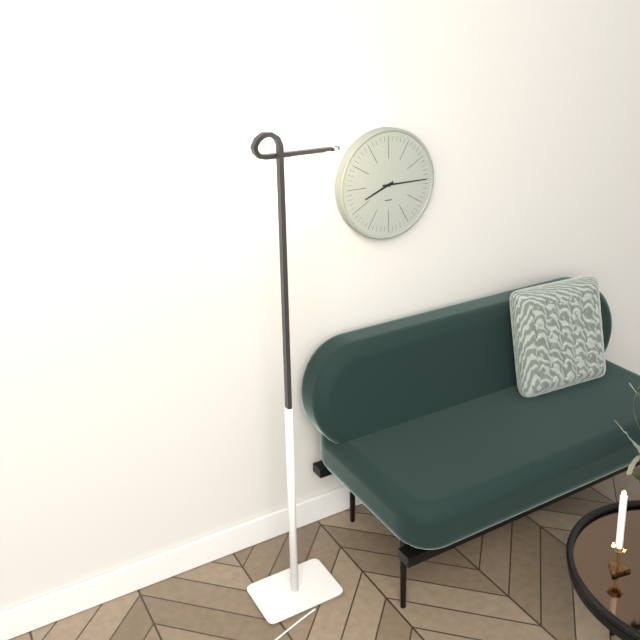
8:15
